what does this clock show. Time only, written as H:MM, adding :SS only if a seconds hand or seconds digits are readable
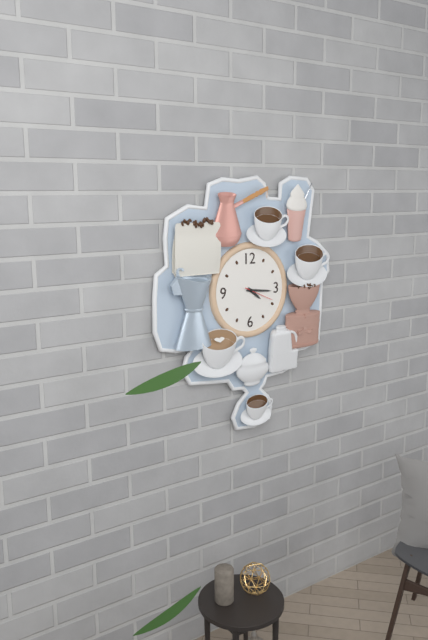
4:16
